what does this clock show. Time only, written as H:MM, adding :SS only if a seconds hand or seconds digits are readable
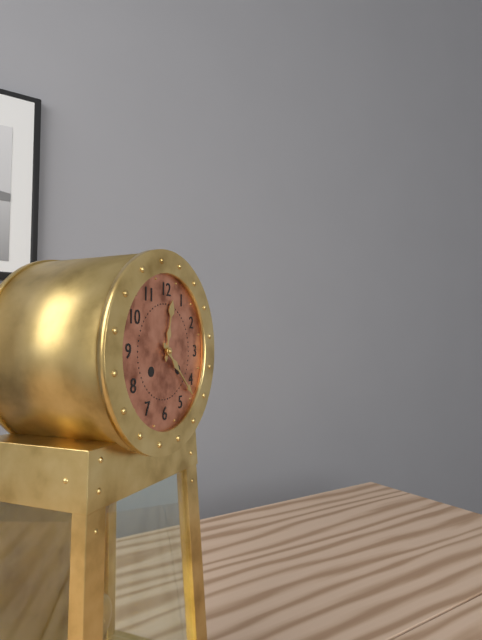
12:22
